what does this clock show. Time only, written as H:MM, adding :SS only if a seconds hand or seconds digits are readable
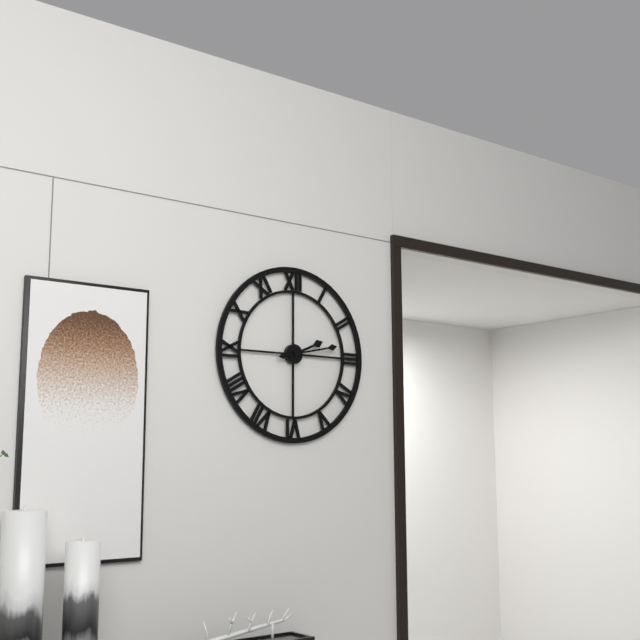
2:13
